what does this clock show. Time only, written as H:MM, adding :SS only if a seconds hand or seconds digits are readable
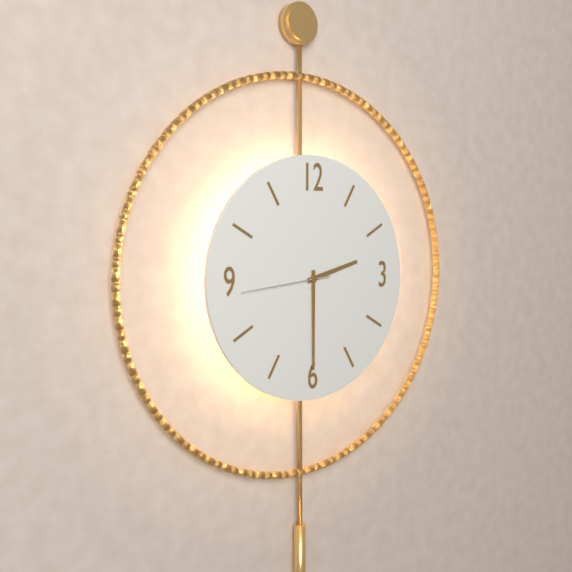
2:30:44
